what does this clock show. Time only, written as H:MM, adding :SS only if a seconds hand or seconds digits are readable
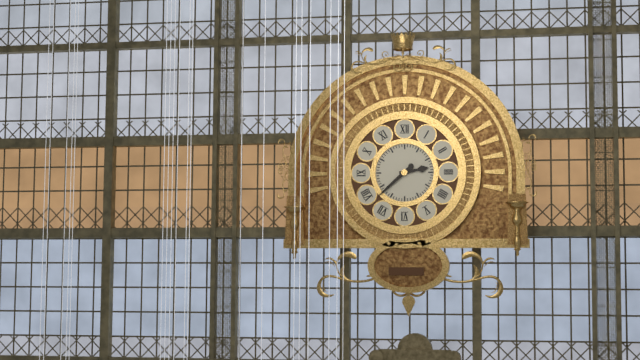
2:38
